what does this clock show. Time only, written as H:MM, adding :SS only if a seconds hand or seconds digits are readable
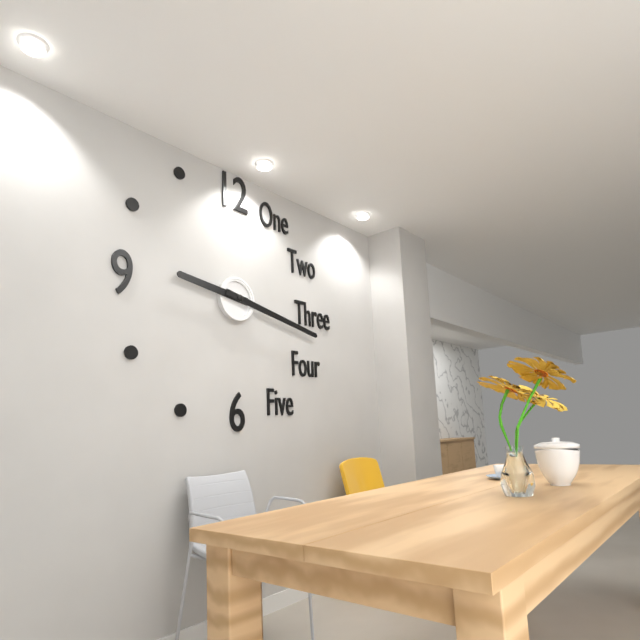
9:17
